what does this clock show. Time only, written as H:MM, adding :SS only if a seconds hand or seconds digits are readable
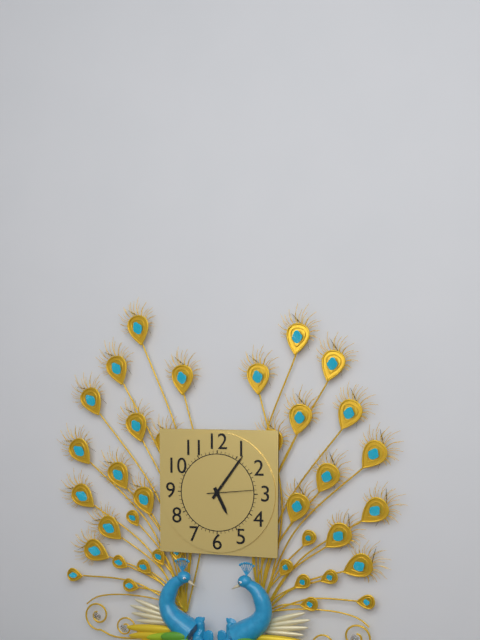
5:06
